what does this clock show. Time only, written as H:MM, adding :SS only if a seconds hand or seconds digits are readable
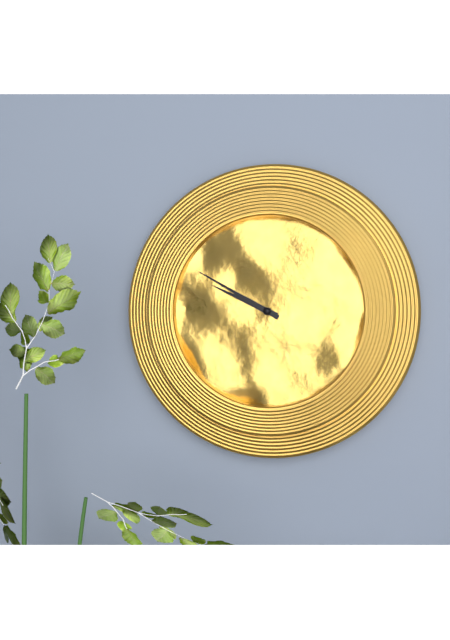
9:50
